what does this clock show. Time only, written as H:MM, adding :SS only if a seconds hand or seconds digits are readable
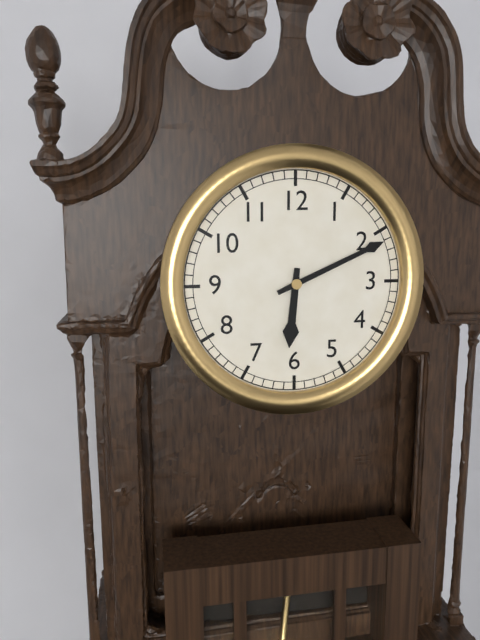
6:11
